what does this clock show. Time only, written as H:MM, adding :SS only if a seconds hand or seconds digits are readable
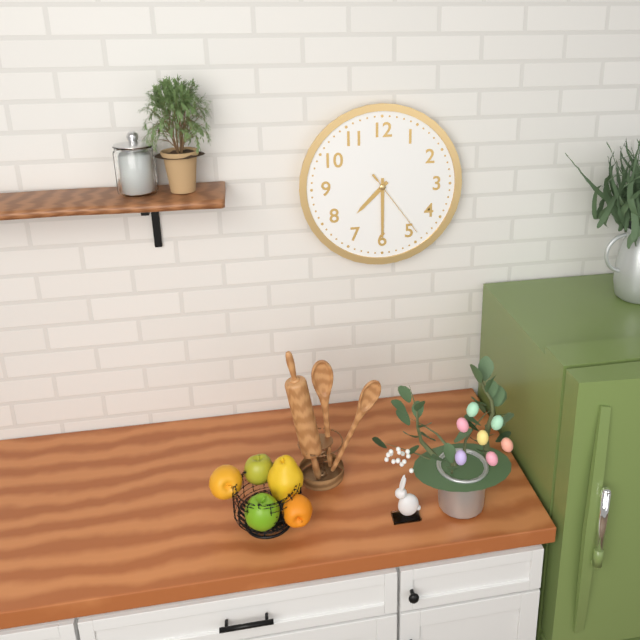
7:30:24
